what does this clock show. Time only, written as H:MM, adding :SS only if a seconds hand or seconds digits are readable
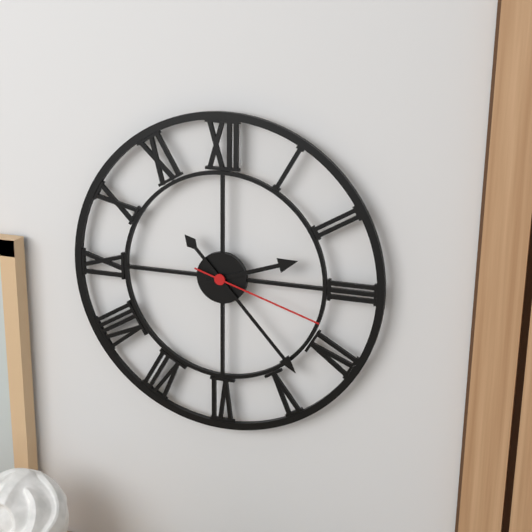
2:23:18
